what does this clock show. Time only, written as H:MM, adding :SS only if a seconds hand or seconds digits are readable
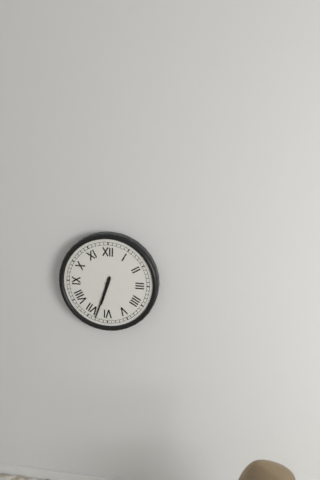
6:33
